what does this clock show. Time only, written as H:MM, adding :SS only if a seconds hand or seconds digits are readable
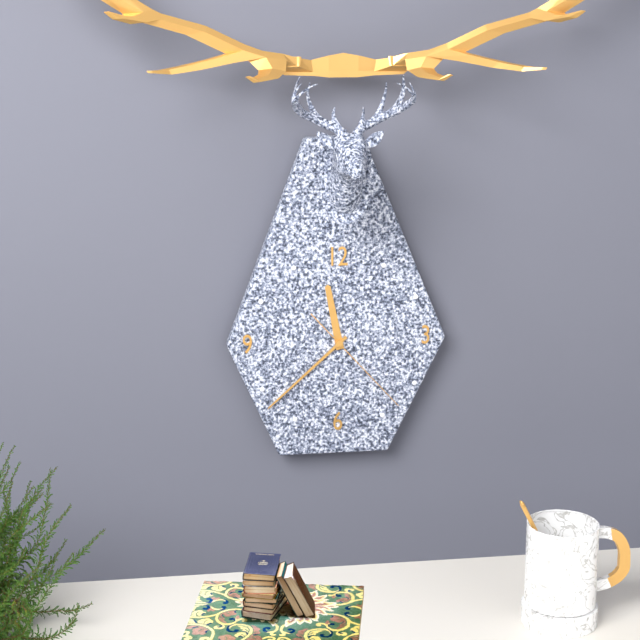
11:38:23
